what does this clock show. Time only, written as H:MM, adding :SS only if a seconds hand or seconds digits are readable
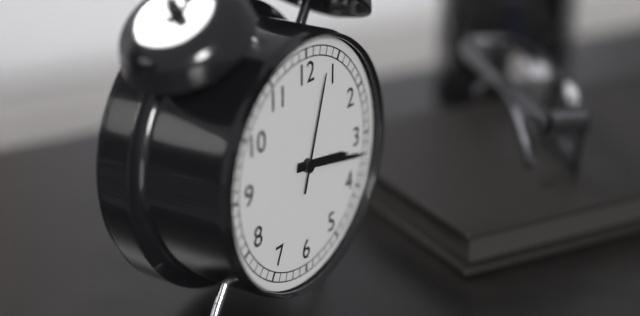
3:17:03
